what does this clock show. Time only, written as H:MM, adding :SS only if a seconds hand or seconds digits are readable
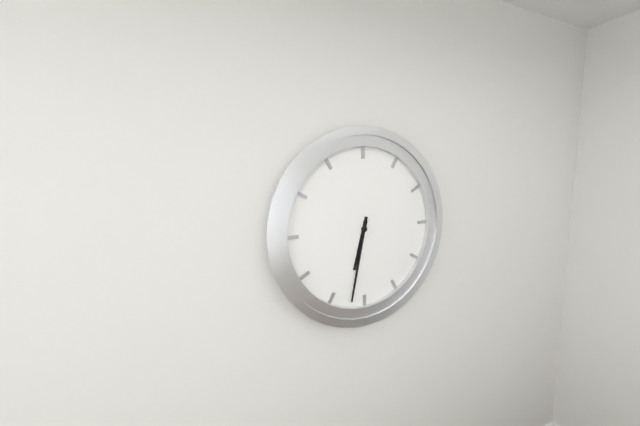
6:32
